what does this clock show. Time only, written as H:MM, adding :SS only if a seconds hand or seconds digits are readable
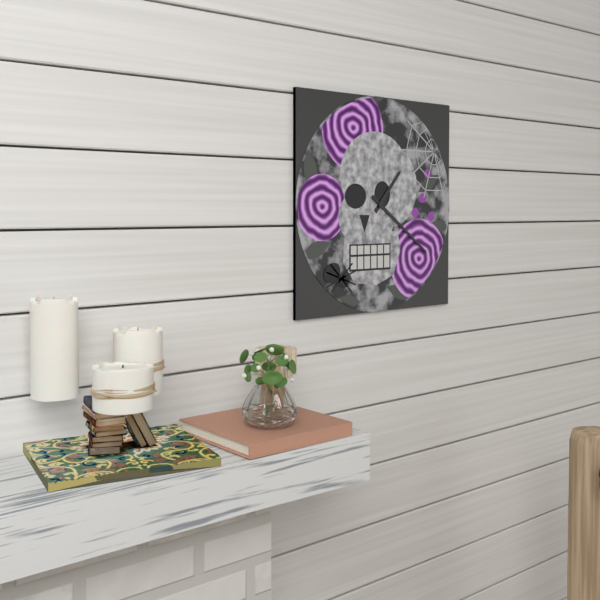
1:21
